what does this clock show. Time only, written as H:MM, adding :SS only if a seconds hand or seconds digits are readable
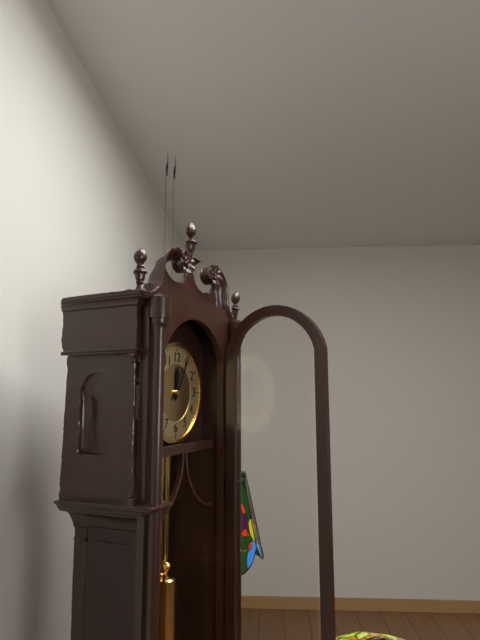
12:05
